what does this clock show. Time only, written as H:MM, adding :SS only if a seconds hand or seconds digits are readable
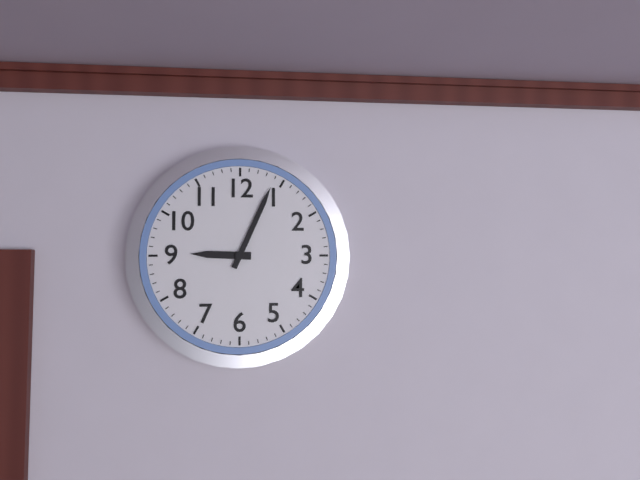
9:04
